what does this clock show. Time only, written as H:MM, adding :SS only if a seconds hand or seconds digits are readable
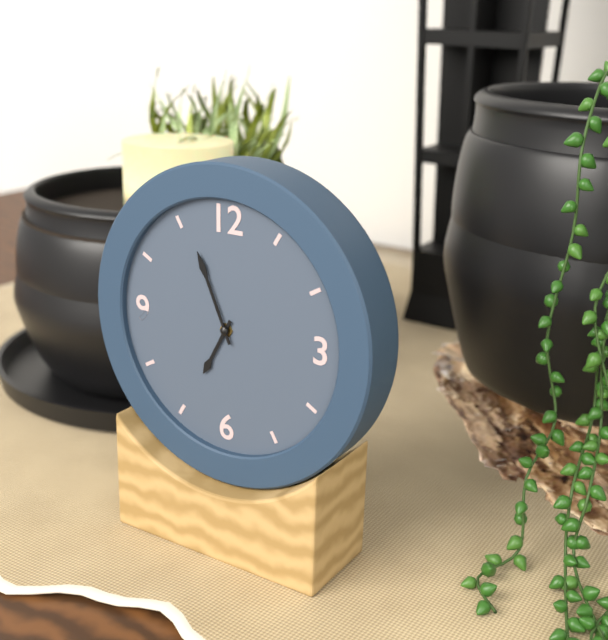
6:56
